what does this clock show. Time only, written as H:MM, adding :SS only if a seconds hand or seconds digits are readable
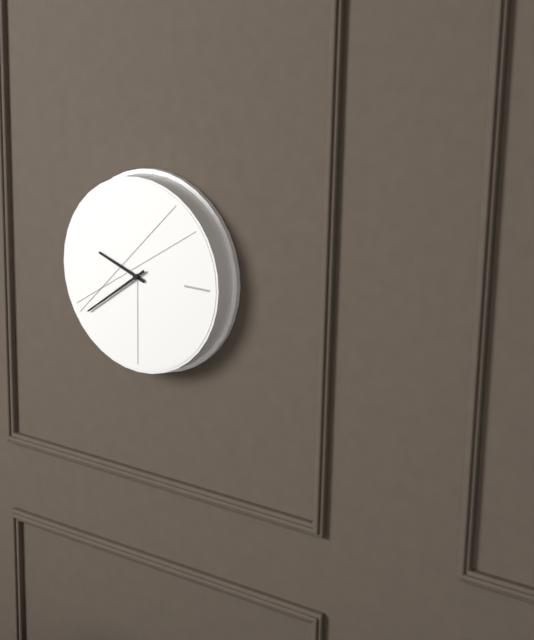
9:39
